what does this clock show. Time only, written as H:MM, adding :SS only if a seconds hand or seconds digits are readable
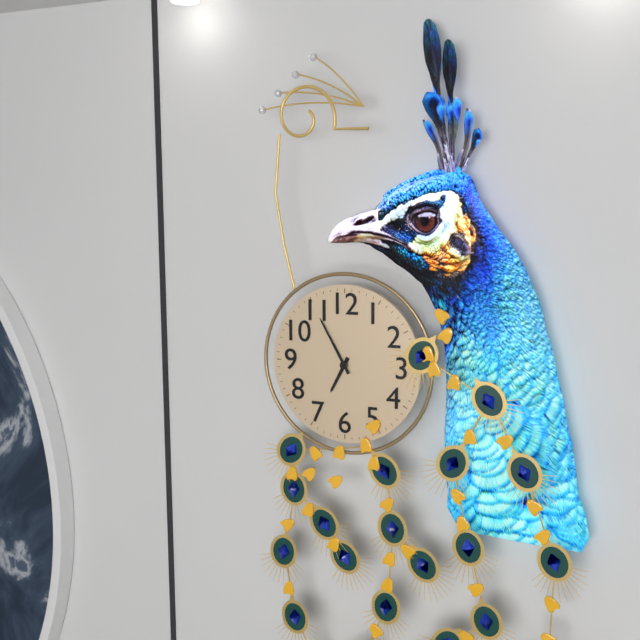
6:55
